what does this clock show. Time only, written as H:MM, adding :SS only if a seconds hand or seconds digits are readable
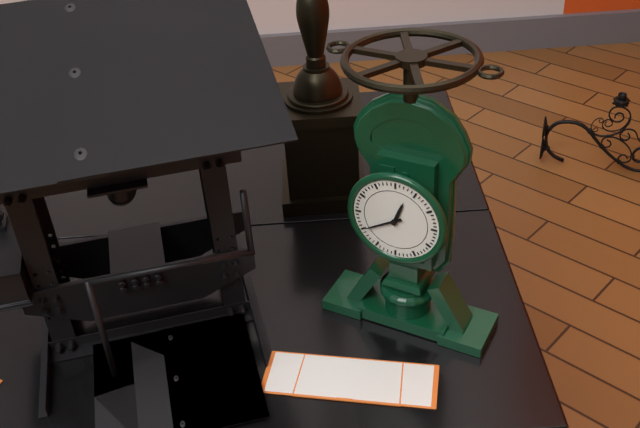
12:40
